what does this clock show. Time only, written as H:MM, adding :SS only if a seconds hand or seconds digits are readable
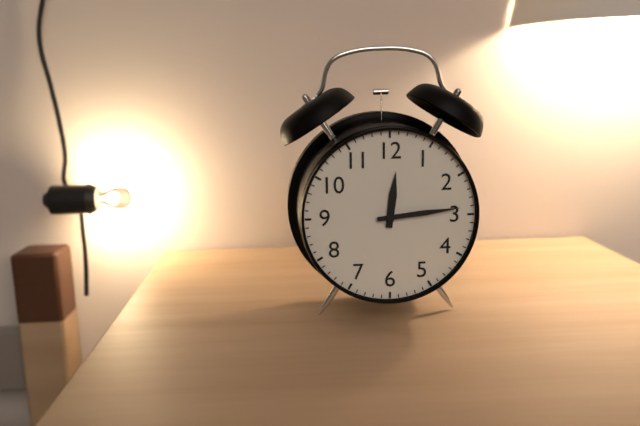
12:14
